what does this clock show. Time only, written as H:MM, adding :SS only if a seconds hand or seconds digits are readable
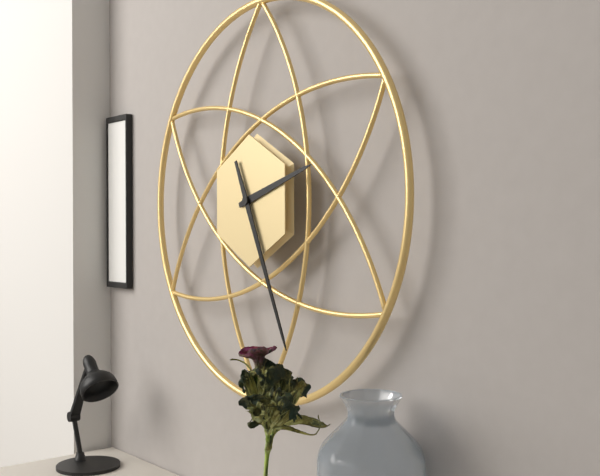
2:26
